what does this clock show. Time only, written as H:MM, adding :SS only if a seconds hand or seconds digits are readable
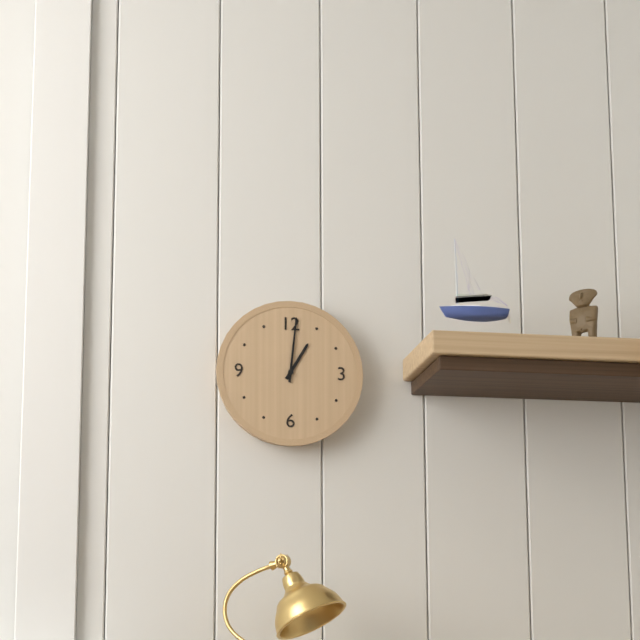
1:01
